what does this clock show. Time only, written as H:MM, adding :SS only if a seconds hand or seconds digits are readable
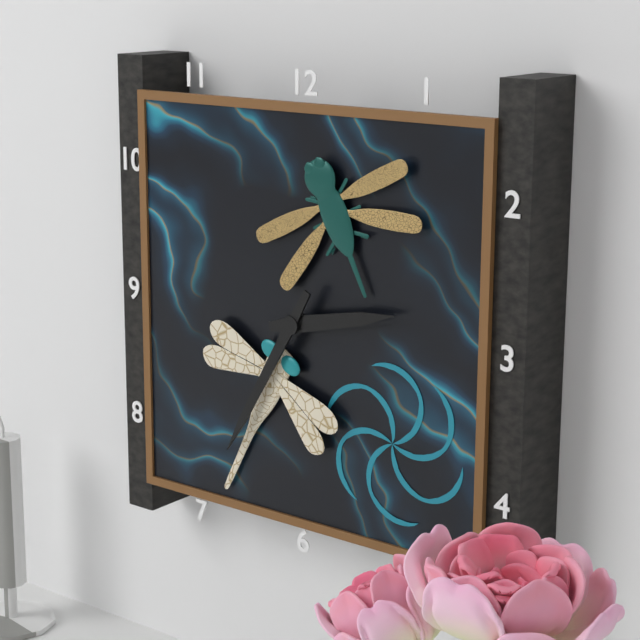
2:35
